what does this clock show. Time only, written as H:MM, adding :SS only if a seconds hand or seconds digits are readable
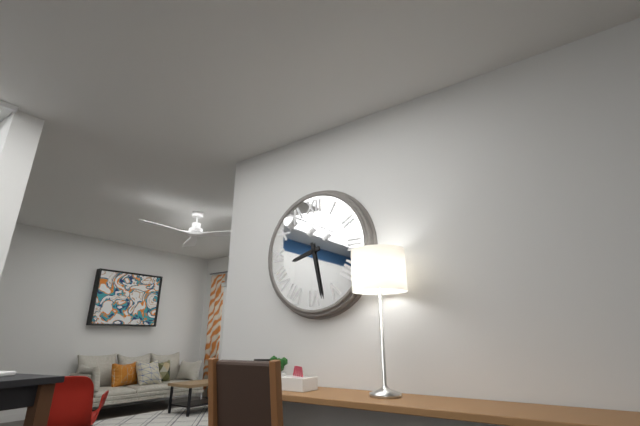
8:28
